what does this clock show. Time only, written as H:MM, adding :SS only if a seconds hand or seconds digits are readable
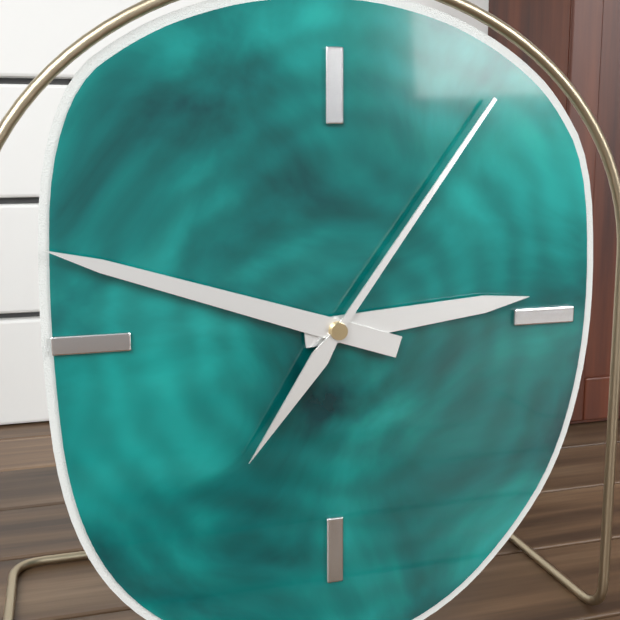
2:48:06
